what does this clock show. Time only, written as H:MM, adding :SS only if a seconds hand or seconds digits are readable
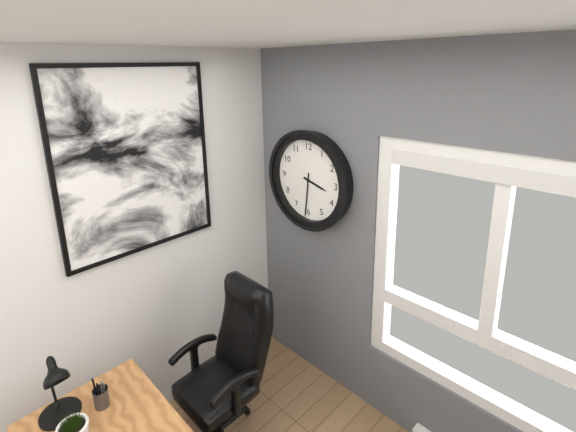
3:31
